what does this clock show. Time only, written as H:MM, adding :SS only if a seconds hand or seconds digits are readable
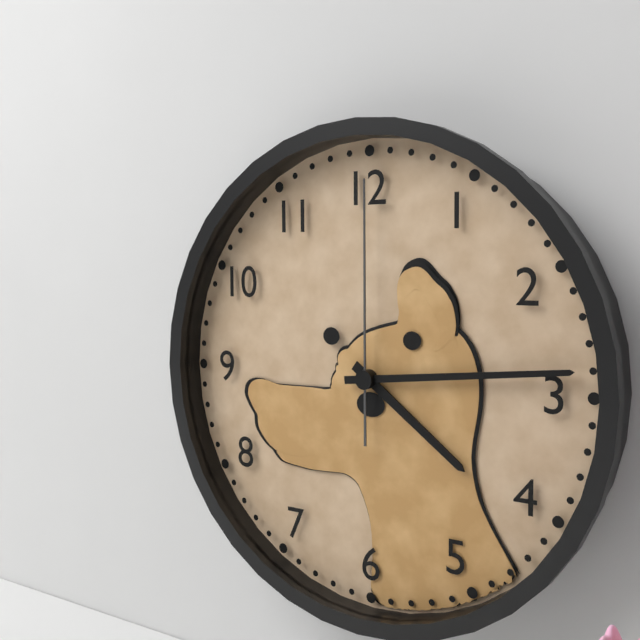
4:14:00
